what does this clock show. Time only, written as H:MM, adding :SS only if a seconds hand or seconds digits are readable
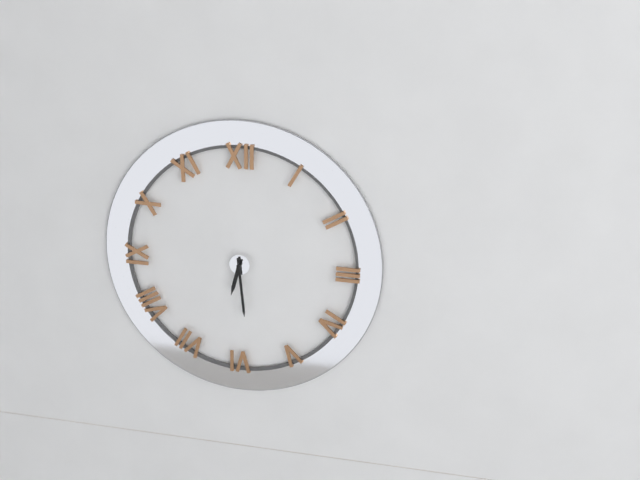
6:29
